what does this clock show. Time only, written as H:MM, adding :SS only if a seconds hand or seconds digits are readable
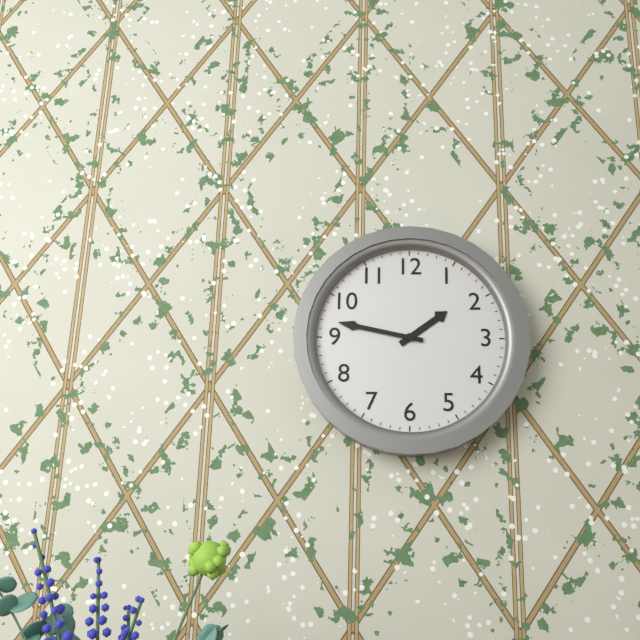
1:47
